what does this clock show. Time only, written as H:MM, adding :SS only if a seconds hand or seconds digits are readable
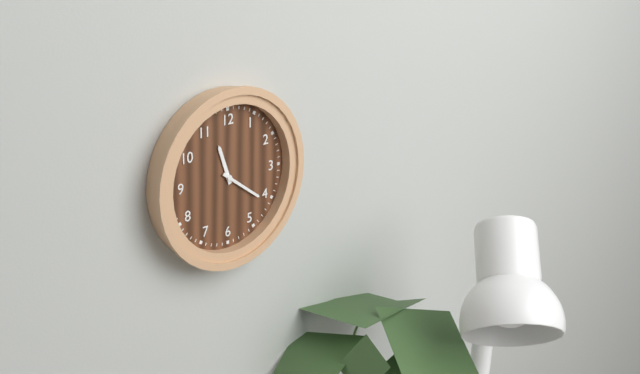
11:21
